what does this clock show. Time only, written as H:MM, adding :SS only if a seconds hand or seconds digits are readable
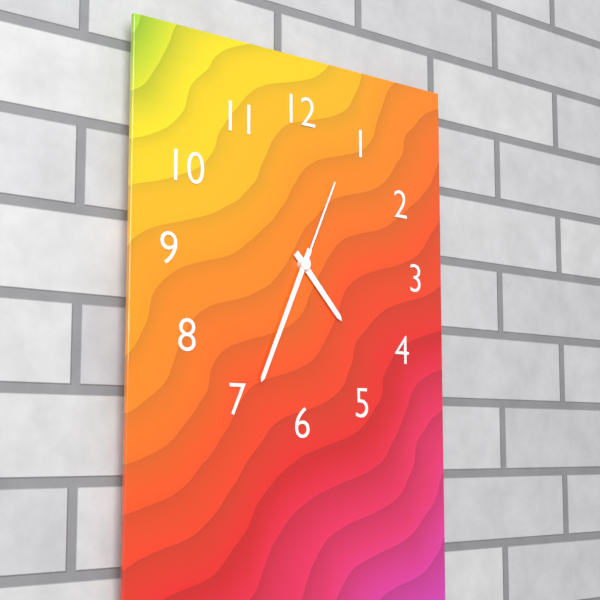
4:34:04
